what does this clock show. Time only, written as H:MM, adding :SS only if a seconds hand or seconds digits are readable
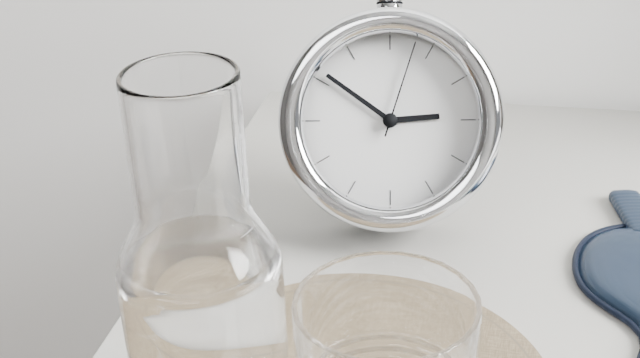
2:51:03
